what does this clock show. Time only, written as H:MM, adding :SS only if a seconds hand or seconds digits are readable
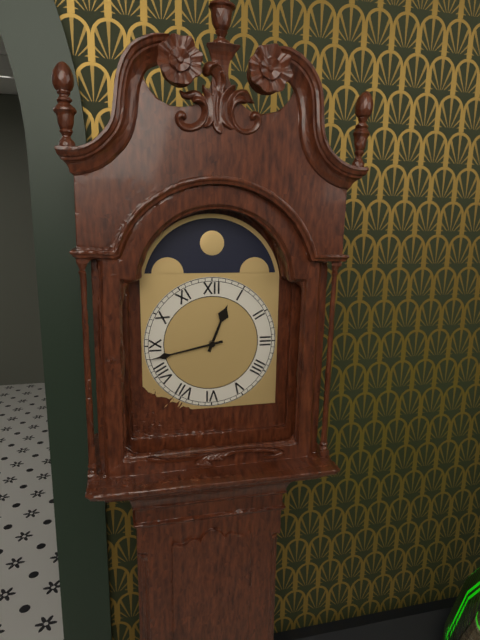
12:43
